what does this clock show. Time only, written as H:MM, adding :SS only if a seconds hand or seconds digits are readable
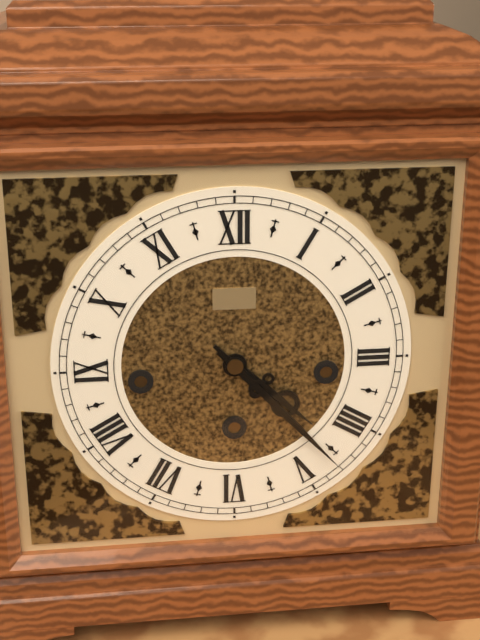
4:23
